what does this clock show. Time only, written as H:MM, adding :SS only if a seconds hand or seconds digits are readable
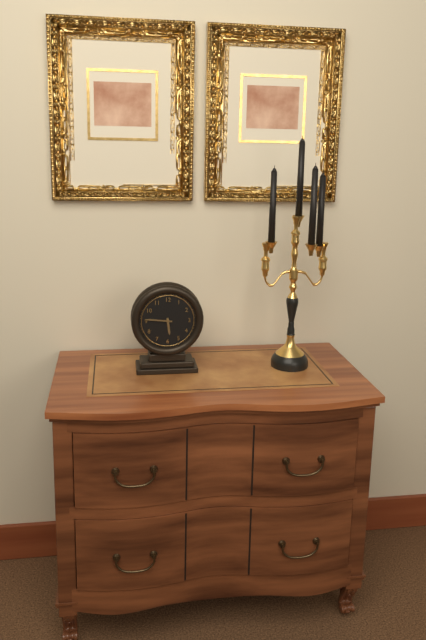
5:46
